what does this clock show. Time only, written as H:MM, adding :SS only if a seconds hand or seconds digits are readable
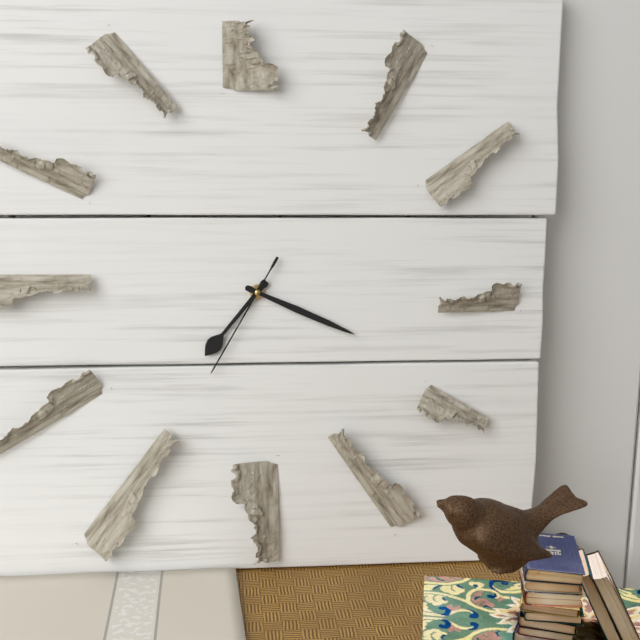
7:19:35
